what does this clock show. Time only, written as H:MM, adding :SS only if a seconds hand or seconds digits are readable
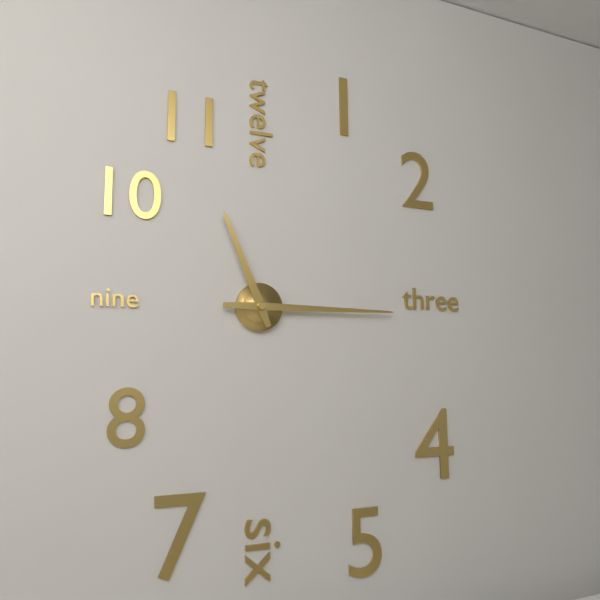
11:15
